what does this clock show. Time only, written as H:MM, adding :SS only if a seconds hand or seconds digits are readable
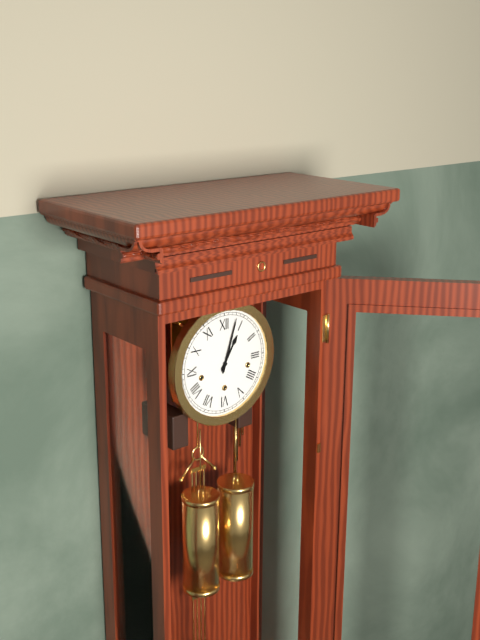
1:03
